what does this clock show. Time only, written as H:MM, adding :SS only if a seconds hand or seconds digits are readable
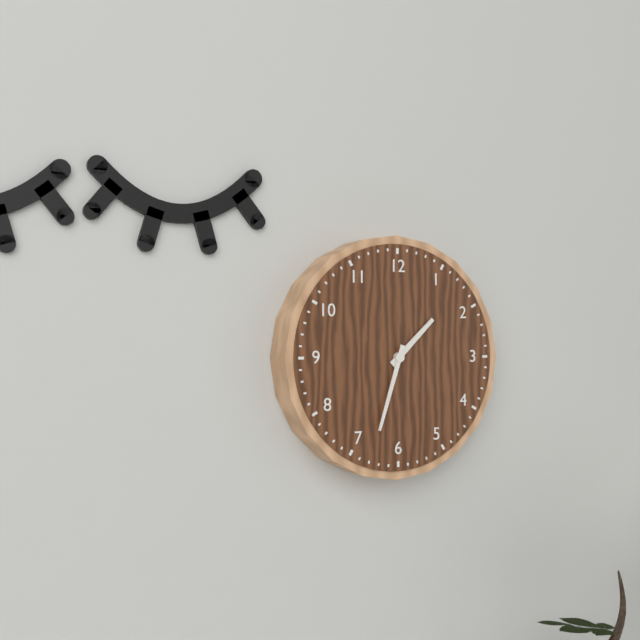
1:33
